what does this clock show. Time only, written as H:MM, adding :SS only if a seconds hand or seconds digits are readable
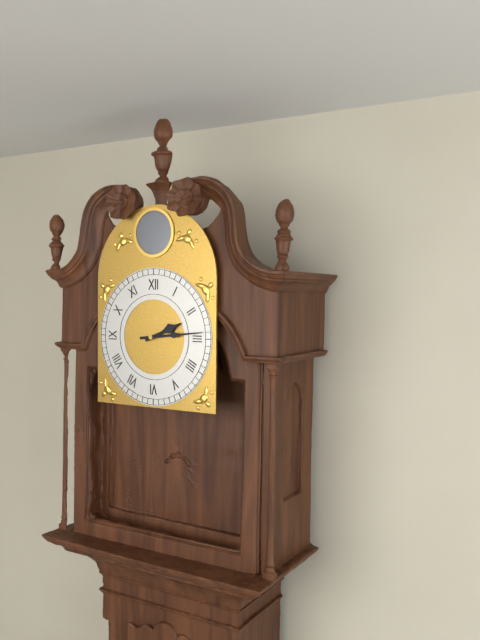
2:14
